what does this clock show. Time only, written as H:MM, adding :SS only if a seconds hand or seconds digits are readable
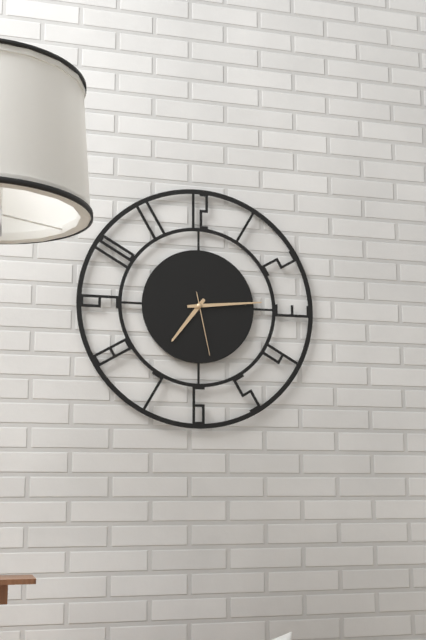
7:14:28
